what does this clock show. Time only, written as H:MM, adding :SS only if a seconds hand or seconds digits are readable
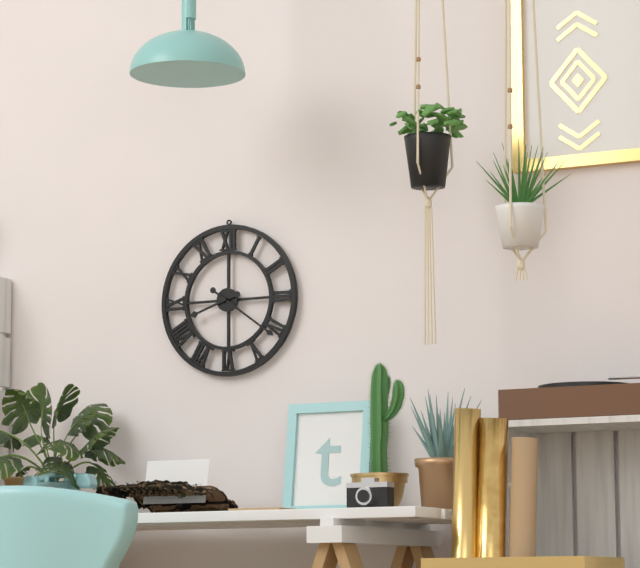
8:21
